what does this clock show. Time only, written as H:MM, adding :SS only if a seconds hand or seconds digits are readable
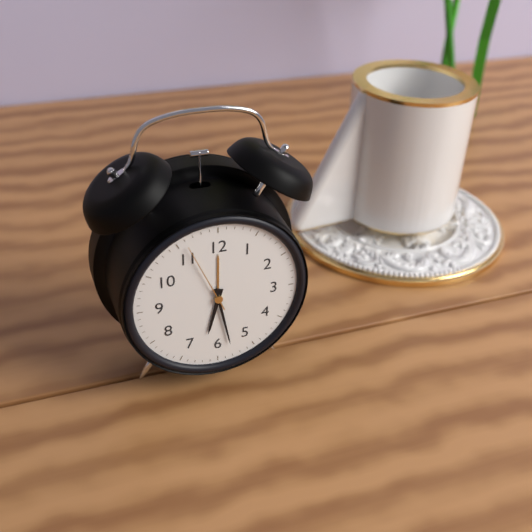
6:28:56
